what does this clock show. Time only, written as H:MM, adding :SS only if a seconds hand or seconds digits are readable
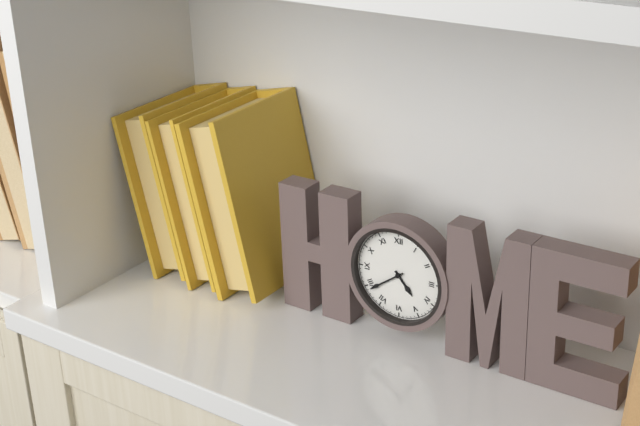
4:39
